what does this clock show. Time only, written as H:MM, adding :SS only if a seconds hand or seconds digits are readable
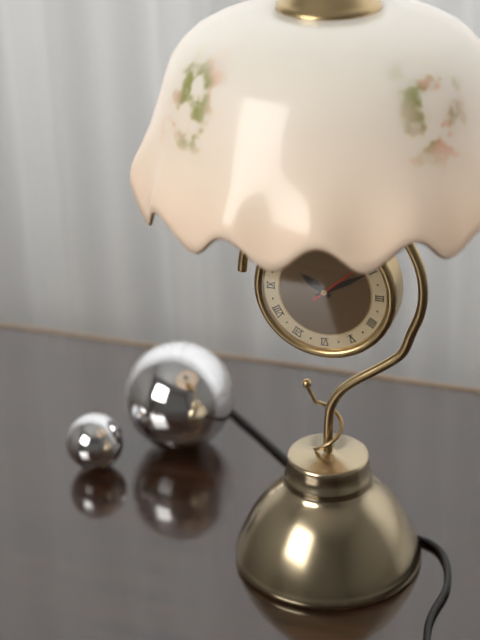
10:10:08
